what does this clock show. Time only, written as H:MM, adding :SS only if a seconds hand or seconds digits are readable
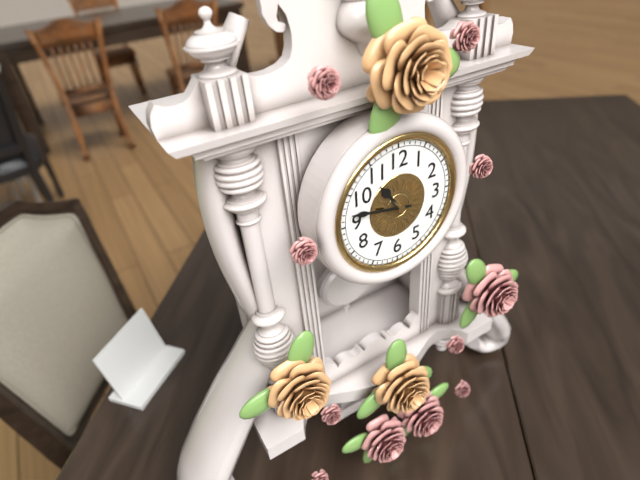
10:47
